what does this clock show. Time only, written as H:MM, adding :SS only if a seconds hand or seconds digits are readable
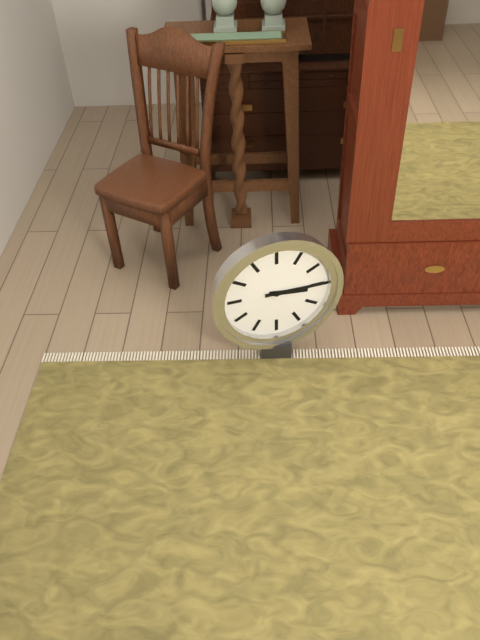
3:15
